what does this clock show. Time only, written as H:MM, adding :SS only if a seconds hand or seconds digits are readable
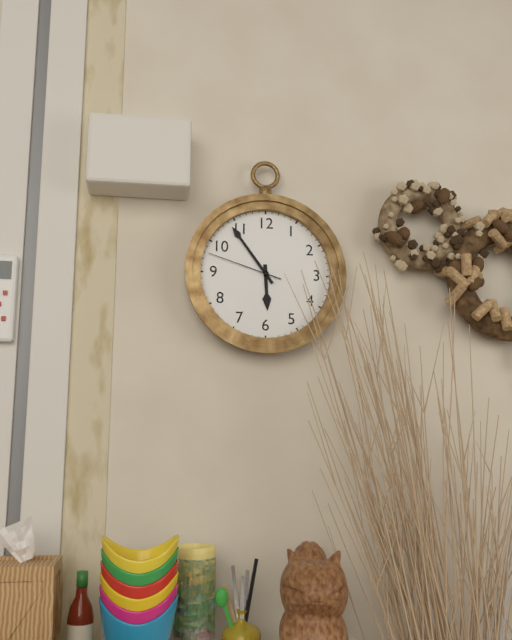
5:54:48
